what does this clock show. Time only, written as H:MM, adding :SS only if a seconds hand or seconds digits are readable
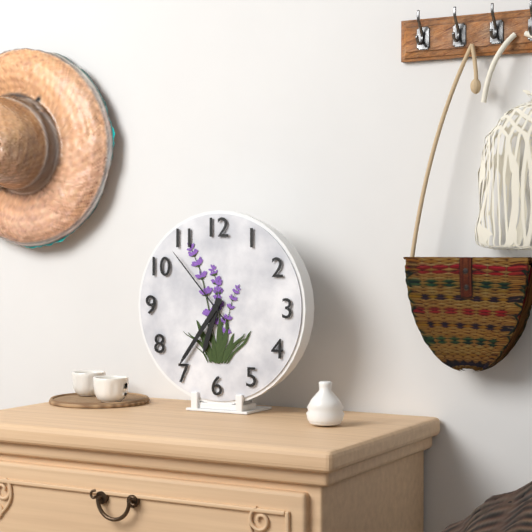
6:36:53
